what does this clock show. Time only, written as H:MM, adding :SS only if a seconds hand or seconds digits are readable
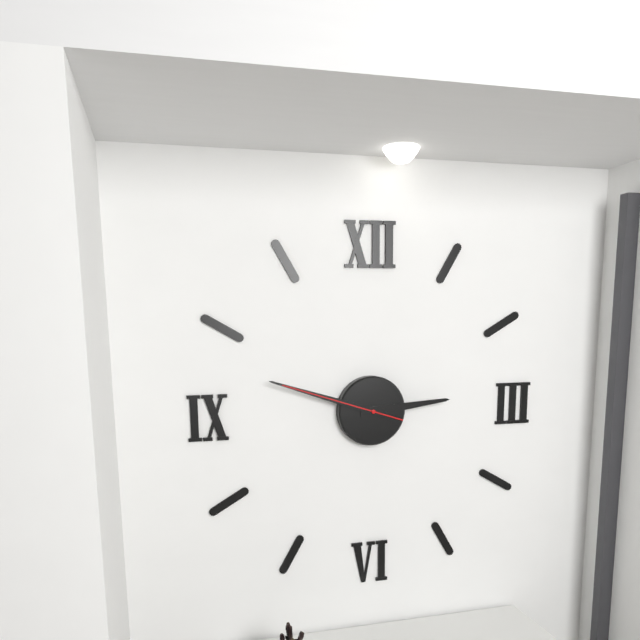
2:48:48
